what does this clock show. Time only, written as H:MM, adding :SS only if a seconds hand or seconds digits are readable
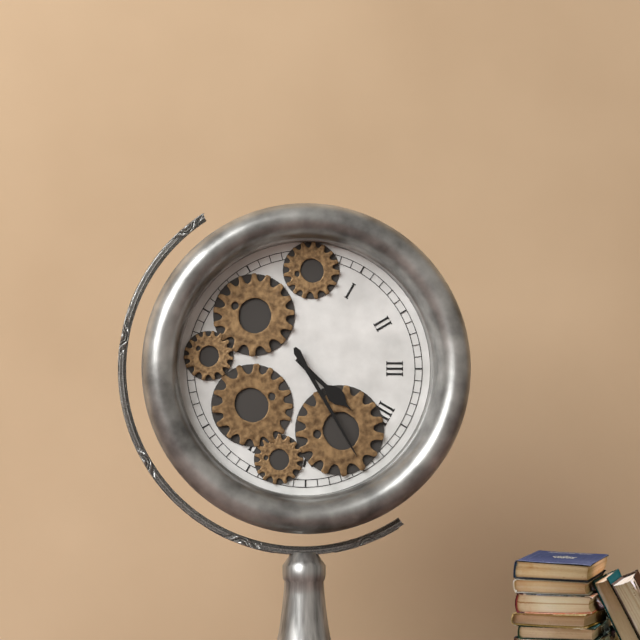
4:25
